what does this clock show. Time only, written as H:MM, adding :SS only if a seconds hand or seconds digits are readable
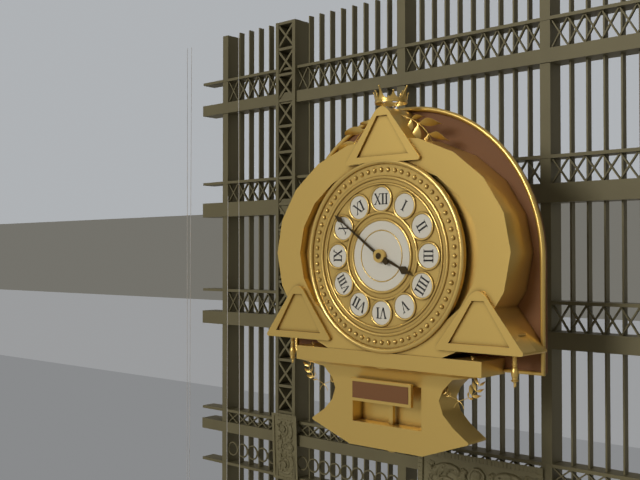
3:51
